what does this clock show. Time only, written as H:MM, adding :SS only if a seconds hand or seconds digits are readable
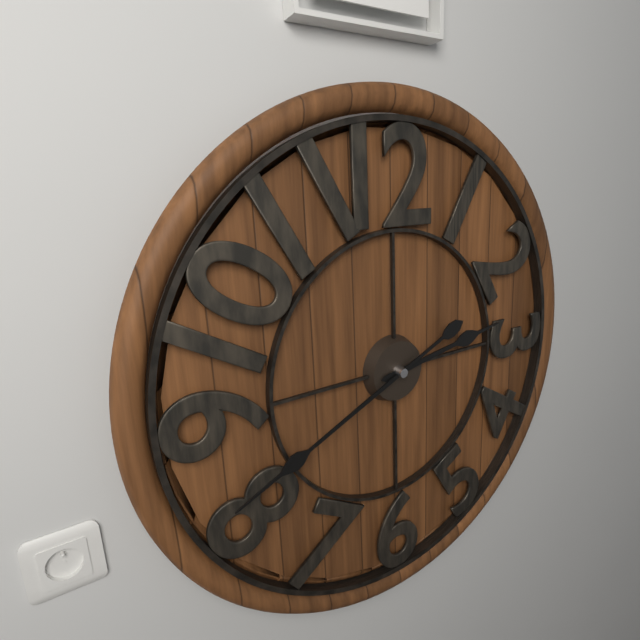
2:41
